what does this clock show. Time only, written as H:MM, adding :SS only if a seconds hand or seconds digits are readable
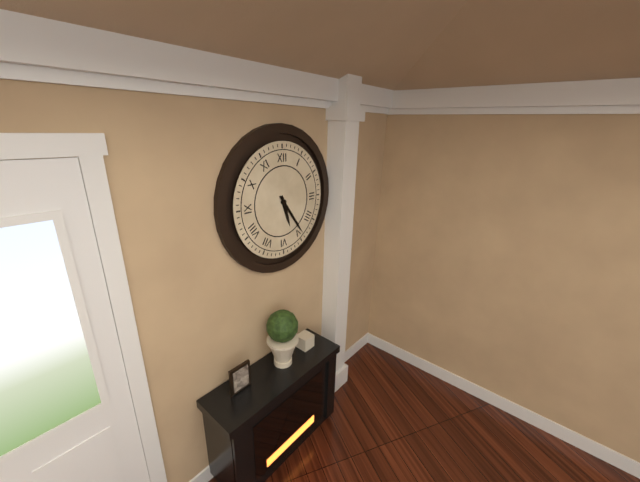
5:24
